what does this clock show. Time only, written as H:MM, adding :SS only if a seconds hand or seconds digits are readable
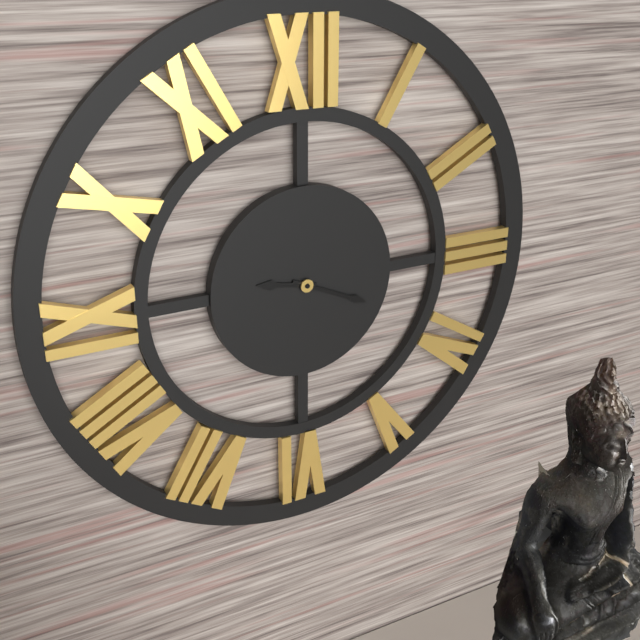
9:19
